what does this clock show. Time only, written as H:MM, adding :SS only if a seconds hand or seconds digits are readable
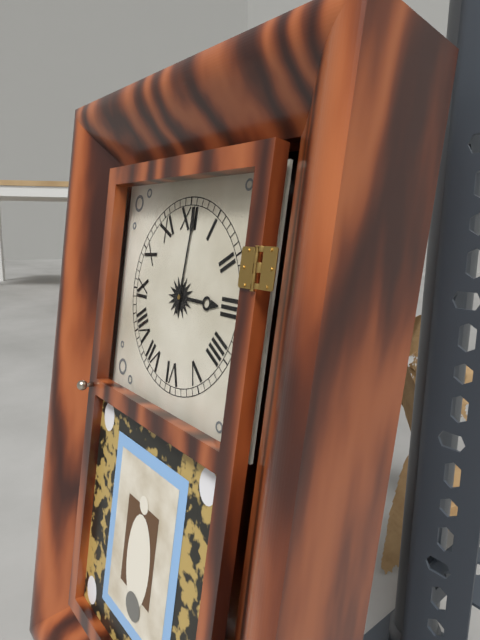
3:01
